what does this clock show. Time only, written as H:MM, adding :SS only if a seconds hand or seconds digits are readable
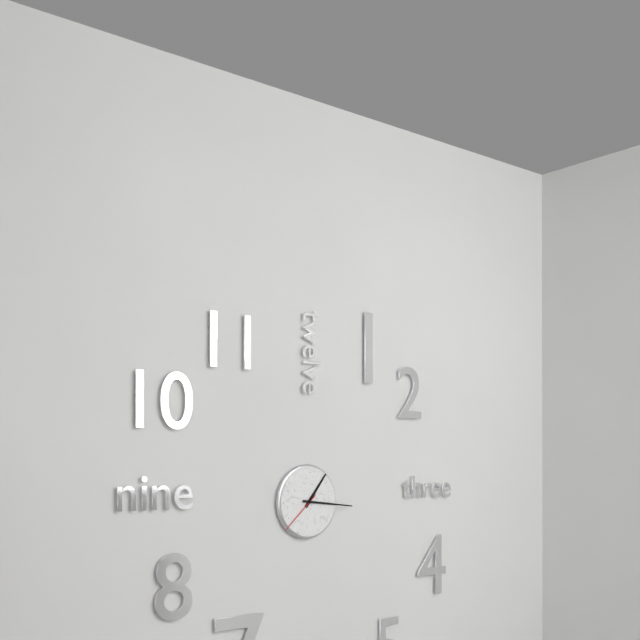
1:16
